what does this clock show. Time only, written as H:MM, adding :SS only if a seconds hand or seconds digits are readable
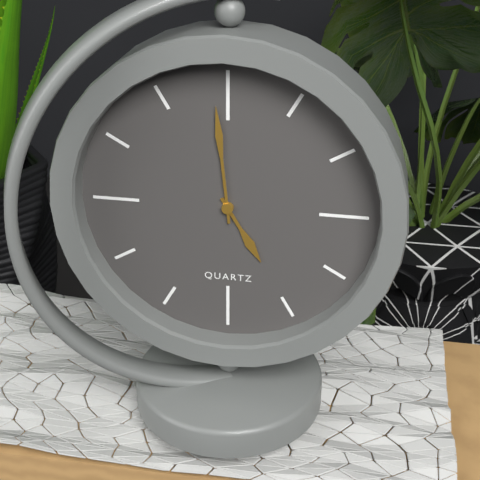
4:59
